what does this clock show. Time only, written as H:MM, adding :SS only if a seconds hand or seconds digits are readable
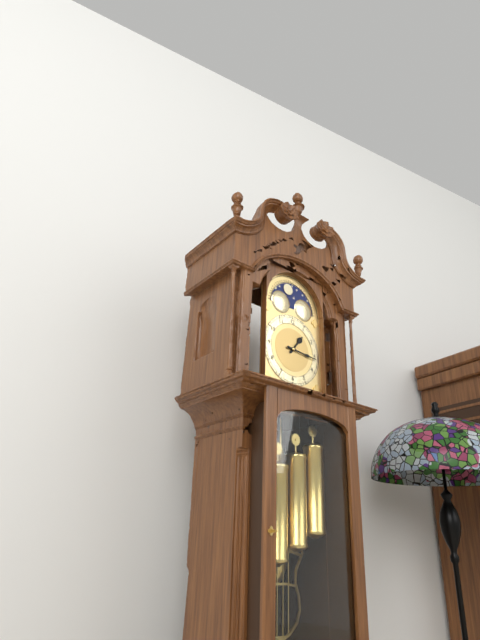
1:16
